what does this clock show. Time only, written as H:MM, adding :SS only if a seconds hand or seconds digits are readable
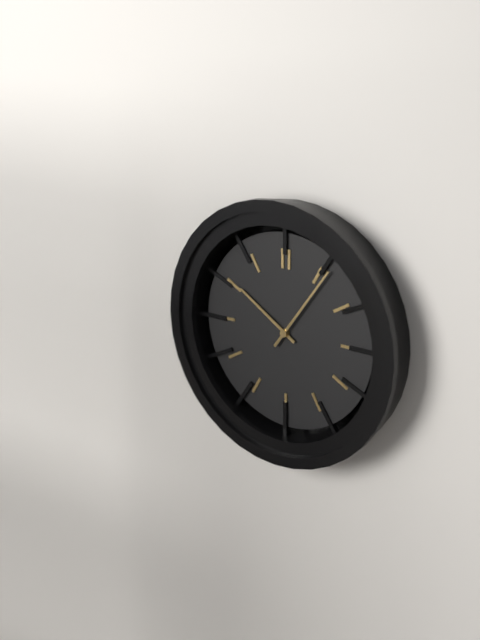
10:06
